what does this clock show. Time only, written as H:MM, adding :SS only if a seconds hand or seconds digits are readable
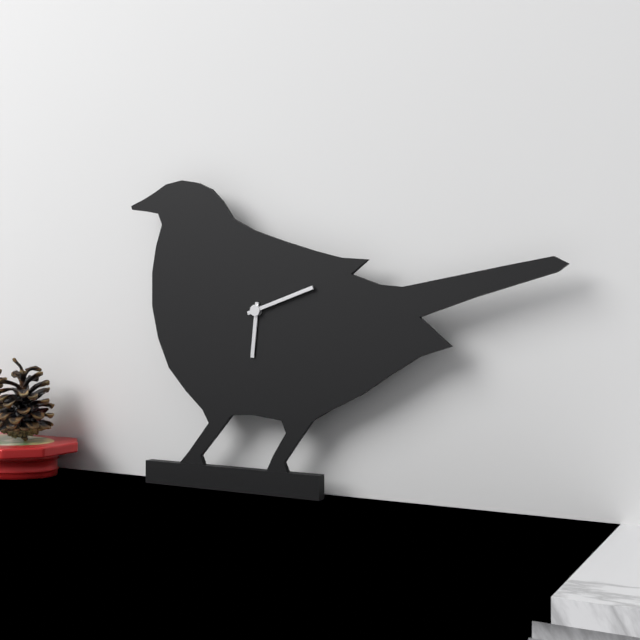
6:12
